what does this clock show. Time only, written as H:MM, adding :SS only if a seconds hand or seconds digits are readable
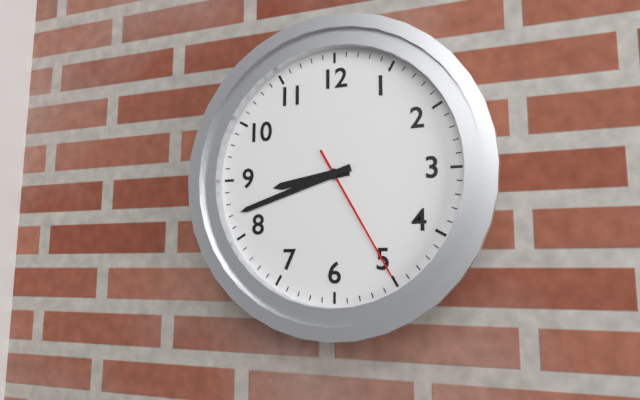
8:42:25
